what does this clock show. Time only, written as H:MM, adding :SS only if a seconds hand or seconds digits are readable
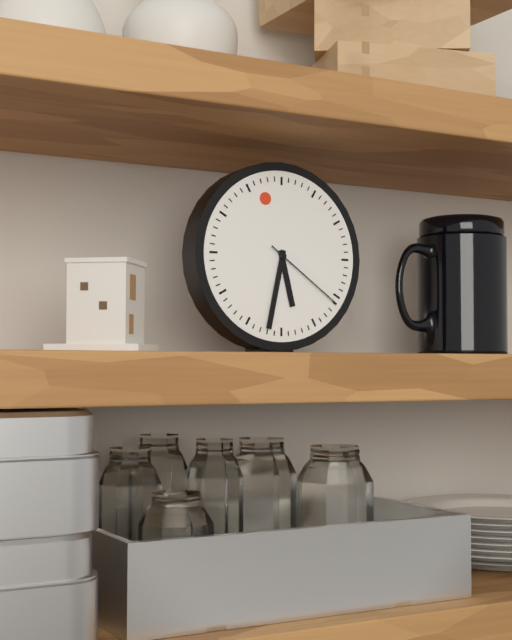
5:32:21
